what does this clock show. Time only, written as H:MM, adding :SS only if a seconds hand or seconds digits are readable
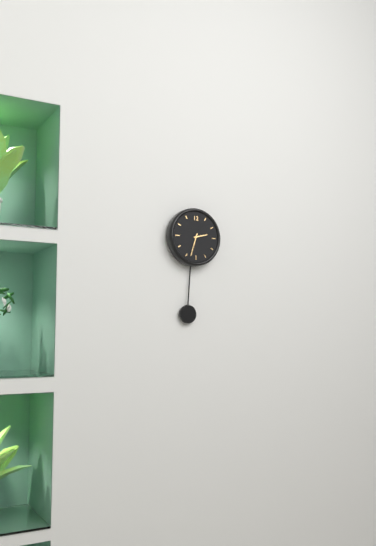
2:33
